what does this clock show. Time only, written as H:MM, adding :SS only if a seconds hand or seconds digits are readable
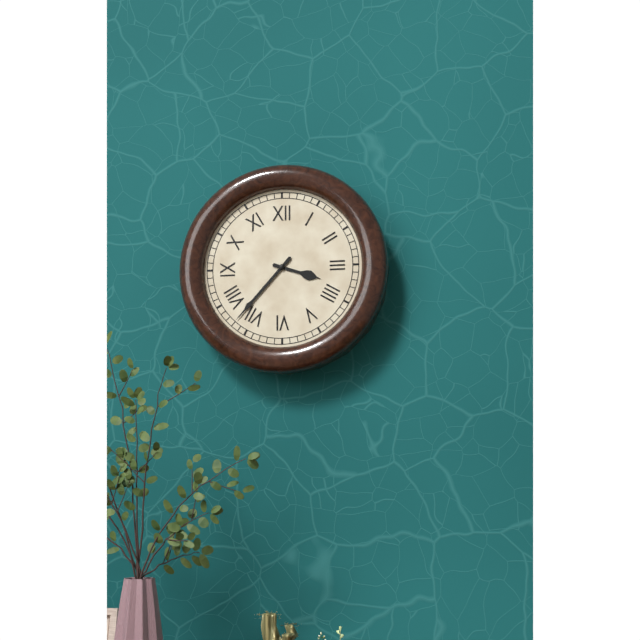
3:37
